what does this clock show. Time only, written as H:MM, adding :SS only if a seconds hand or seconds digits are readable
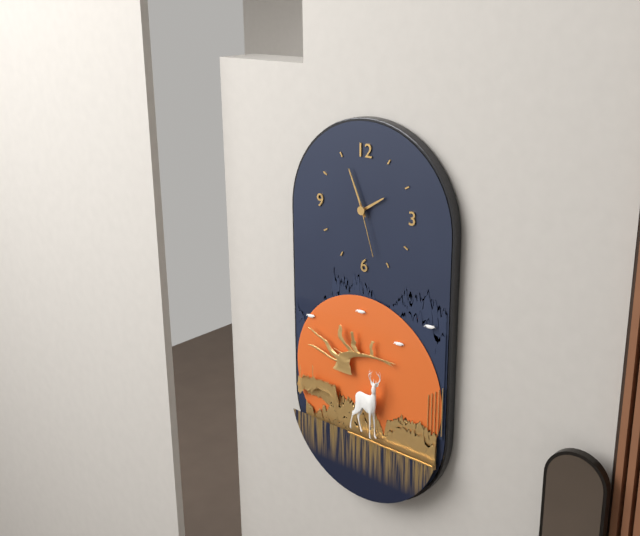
1:56:27
